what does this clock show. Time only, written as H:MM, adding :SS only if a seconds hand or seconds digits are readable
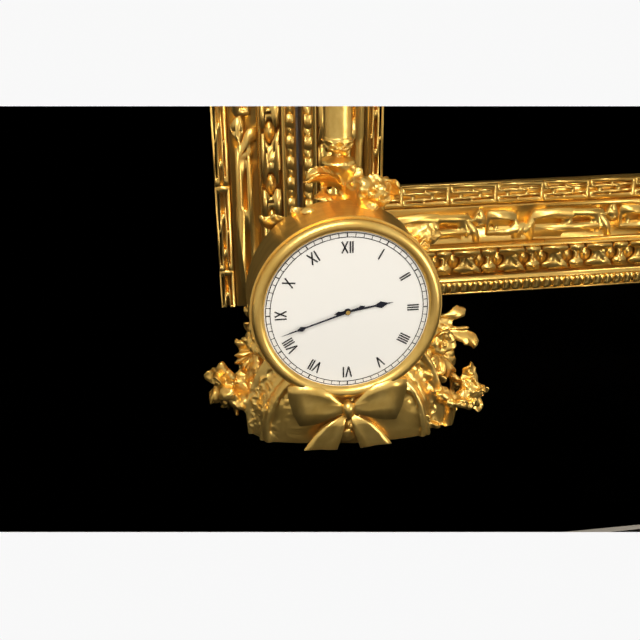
2:42
